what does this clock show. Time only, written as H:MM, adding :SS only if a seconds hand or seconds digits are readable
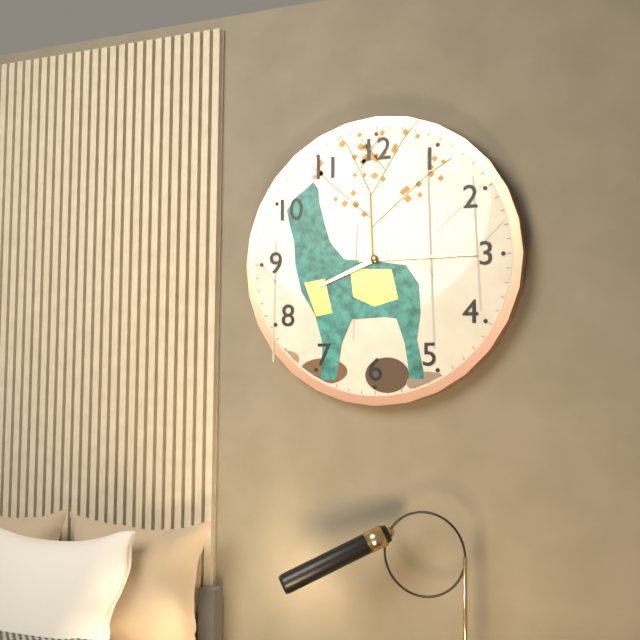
8:15
